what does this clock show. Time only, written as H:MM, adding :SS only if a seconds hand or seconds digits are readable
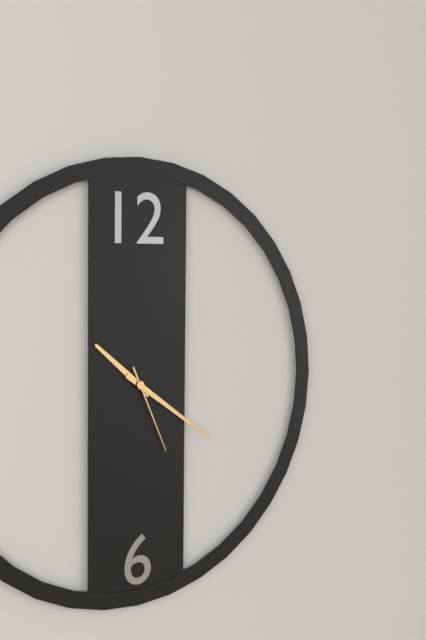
10:21:26
